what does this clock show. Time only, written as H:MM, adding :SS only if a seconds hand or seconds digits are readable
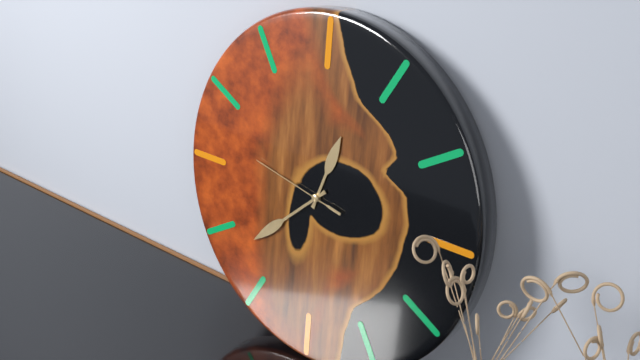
12:38:47
